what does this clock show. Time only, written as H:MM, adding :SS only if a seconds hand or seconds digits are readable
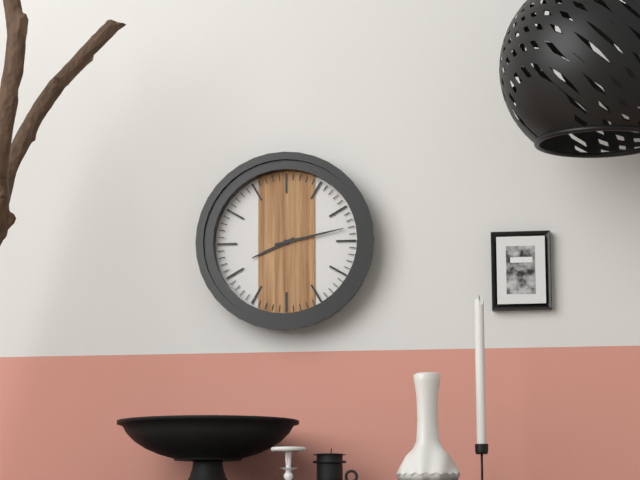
8:13
